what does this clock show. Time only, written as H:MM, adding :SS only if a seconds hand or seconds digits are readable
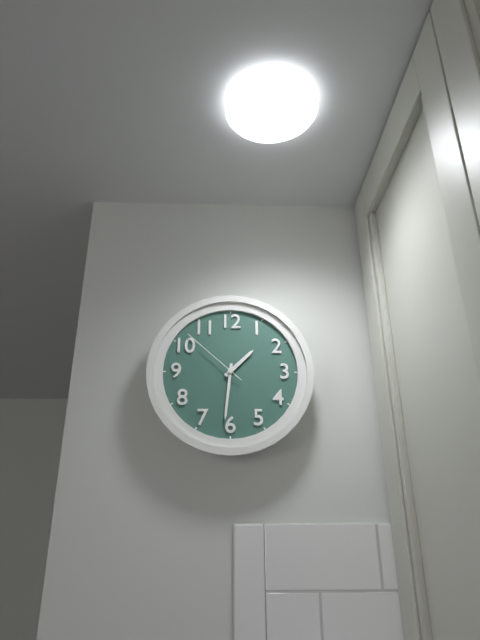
1:31:52
